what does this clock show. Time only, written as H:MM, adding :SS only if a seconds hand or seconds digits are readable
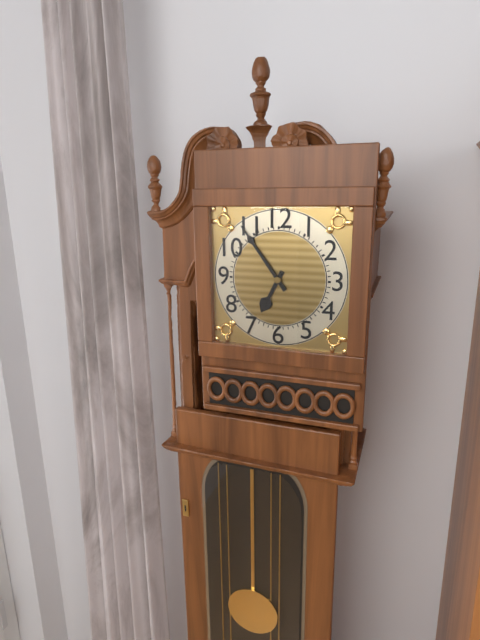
6:54
